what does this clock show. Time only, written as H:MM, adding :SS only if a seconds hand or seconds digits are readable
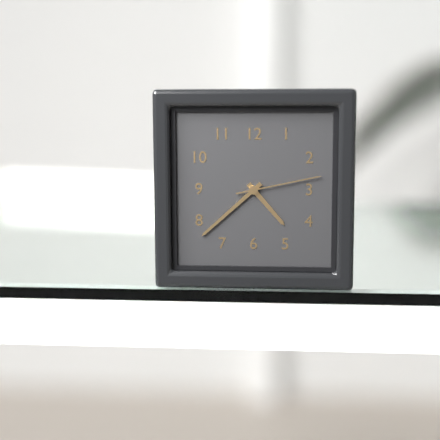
4:38:13
